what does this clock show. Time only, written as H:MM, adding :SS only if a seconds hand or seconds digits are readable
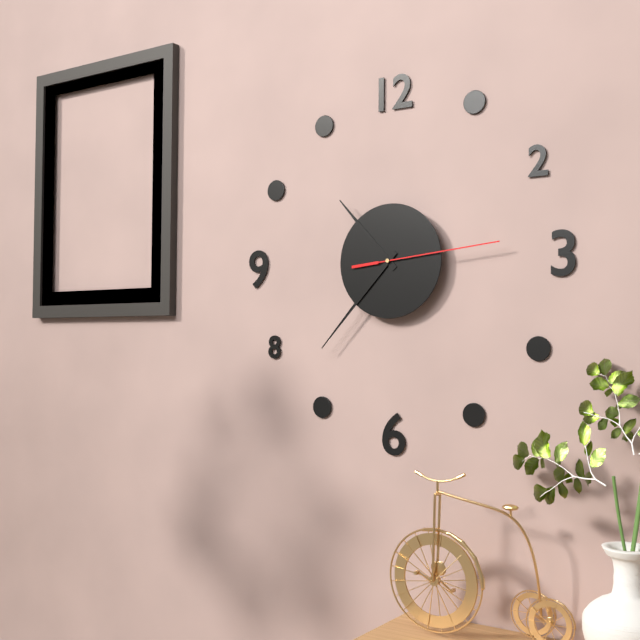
10:37:14
